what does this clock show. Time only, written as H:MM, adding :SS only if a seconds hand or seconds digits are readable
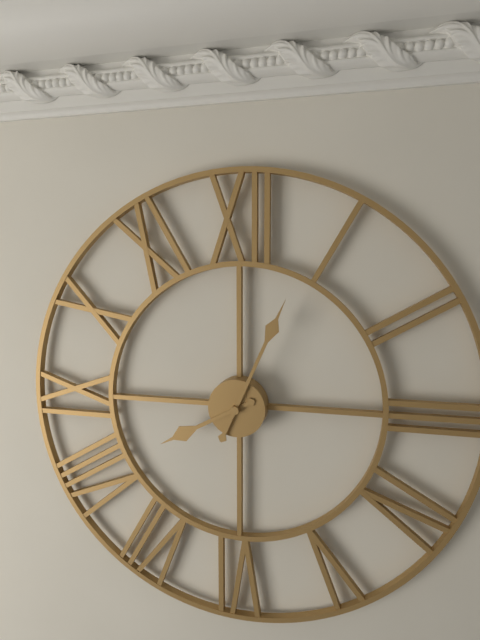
8:04
